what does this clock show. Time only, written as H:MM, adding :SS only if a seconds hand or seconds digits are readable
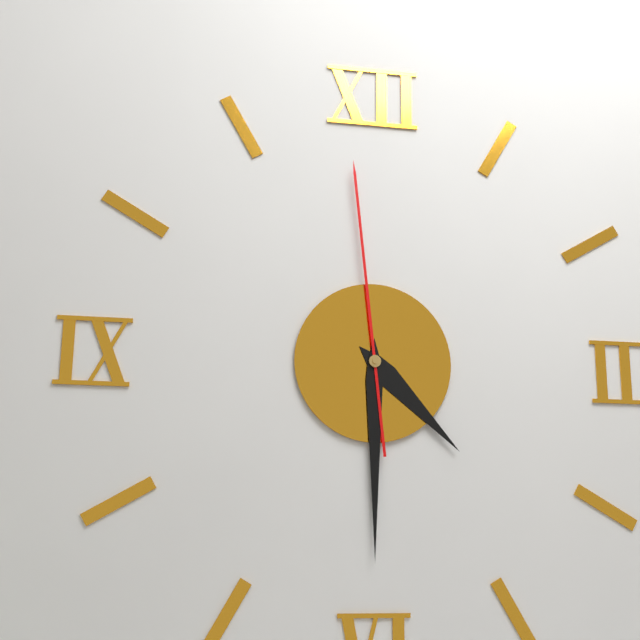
4:30:59
